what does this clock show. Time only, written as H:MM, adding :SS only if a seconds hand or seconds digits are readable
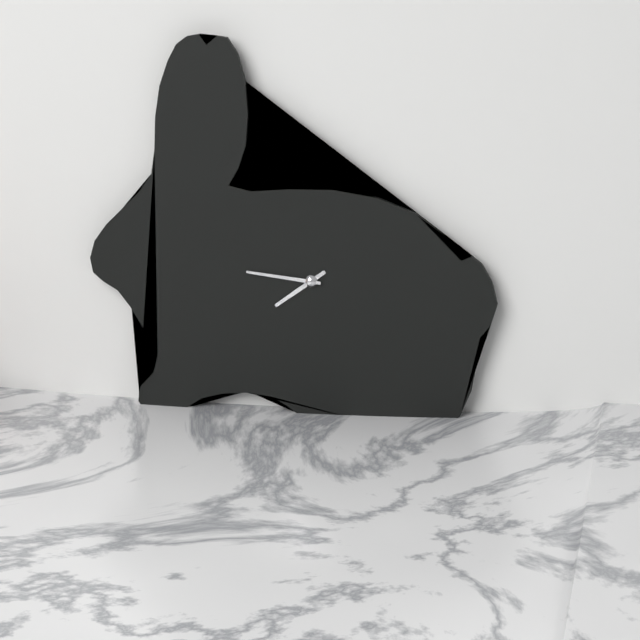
7:46
